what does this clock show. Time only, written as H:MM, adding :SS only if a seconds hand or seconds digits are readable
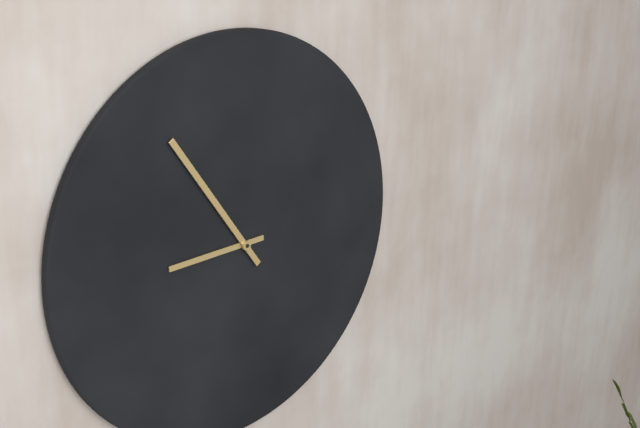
8:54
